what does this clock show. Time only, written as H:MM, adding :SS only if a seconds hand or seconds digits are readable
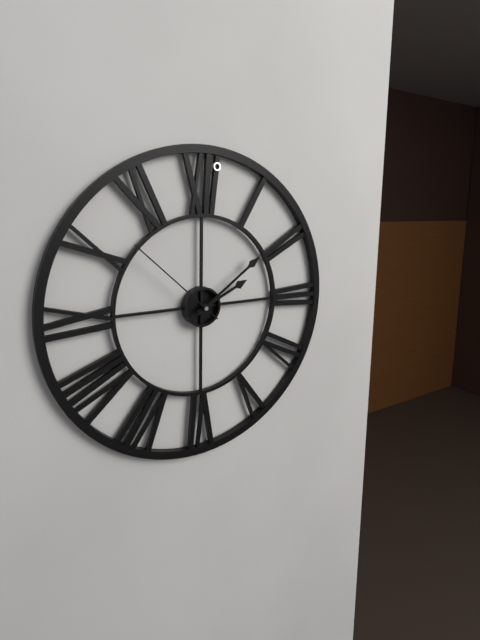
2:09:52
